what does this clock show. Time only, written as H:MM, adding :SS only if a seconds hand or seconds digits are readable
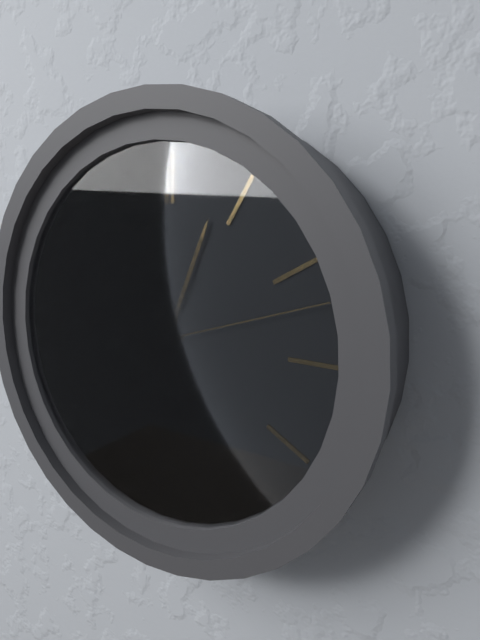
12:43:12
